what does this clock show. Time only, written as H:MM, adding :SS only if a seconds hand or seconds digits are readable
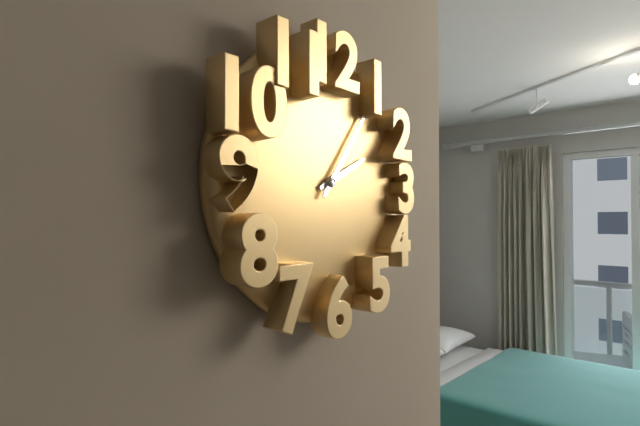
2:06
